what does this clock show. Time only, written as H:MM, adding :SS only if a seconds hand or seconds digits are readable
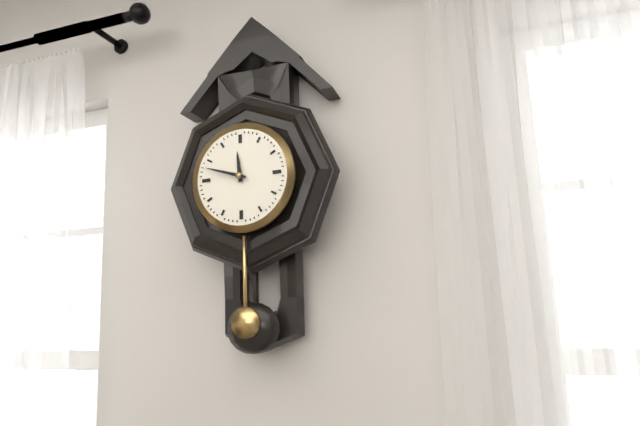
11:48
